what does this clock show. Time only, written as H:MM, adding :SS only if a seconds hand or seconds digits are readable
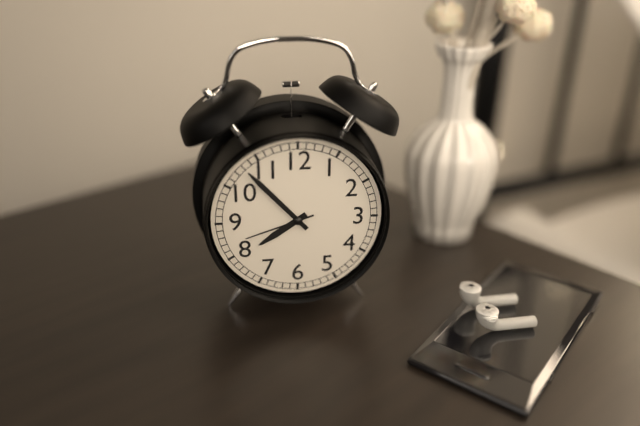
7:53:42
